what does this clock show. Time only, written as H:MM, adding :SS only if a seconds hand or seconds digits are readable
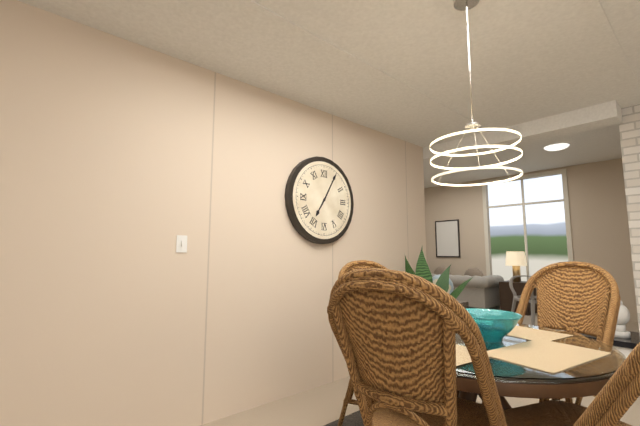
7:05
